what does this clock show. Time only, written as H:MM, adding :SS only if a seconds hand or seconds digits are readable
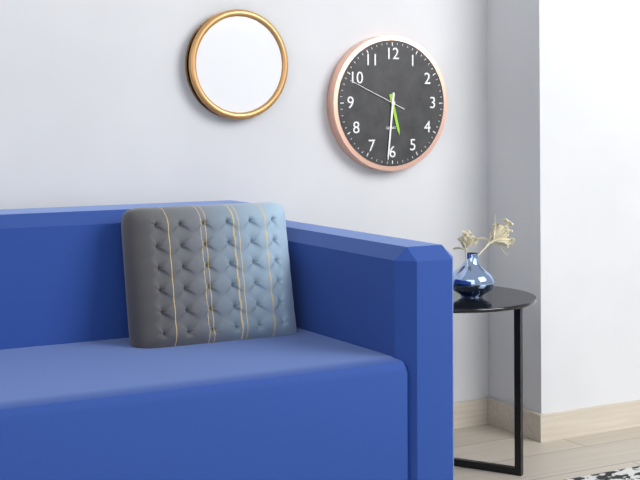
5:31:49
